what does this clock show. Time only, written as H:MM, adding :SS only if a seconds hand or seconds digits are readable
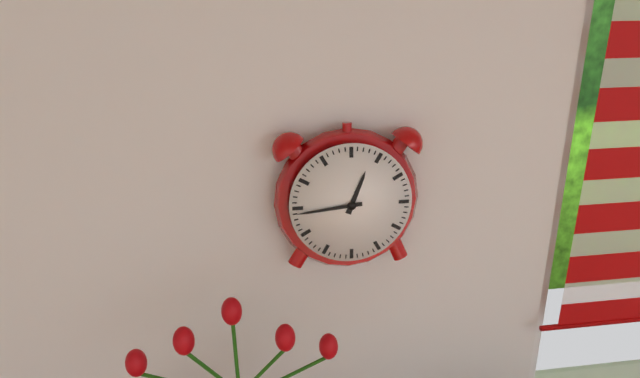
12:44
